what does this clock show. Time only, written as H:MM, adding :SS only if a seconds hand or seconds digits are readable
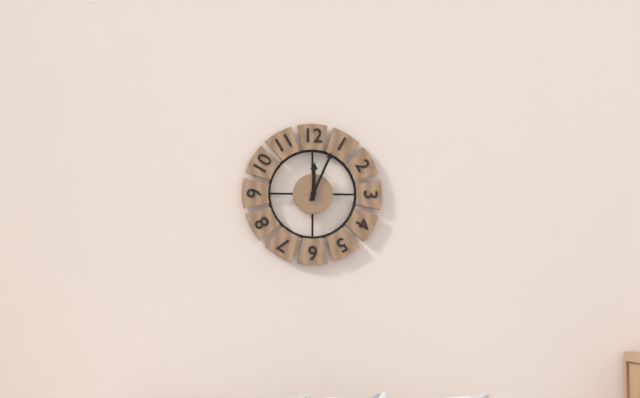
12:04
